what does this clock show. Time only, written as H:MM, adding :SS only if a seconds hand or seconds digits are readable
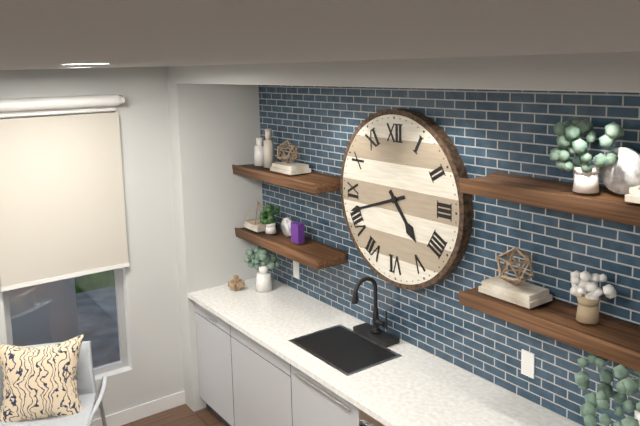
4:42
